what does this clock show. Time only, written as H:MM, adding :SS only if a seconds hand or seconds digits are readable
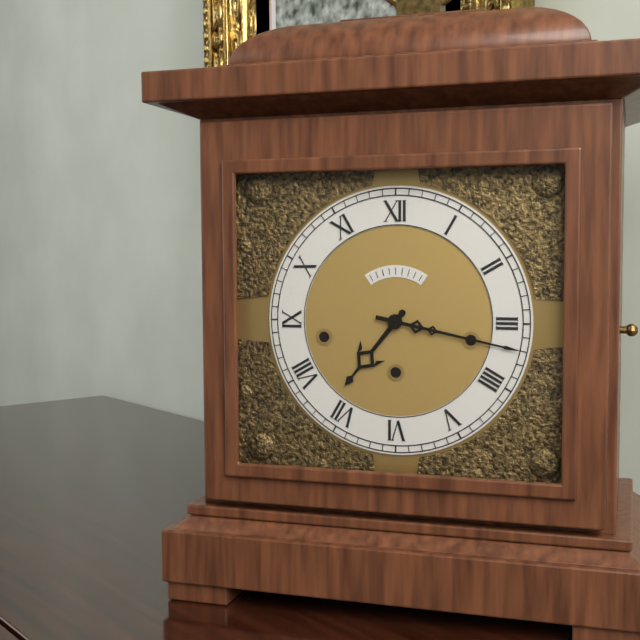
7:17
